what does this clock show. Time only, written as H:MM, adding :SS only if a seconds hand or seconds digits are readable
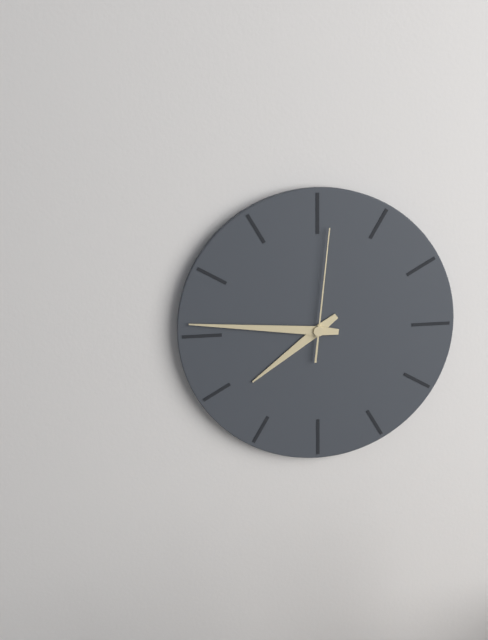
7:46:01
